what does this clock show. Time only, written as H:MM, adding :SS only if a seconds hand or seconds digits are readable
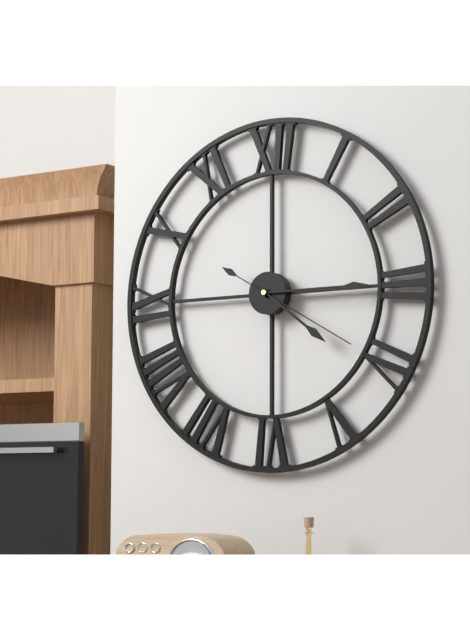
4:15:20
